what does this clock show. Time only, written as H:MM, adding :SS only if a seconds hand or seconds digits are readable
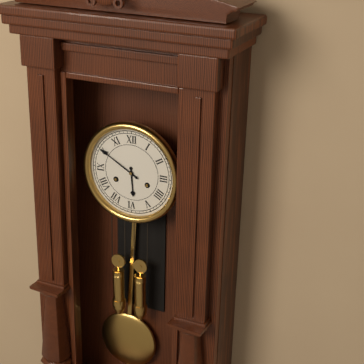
5:50
